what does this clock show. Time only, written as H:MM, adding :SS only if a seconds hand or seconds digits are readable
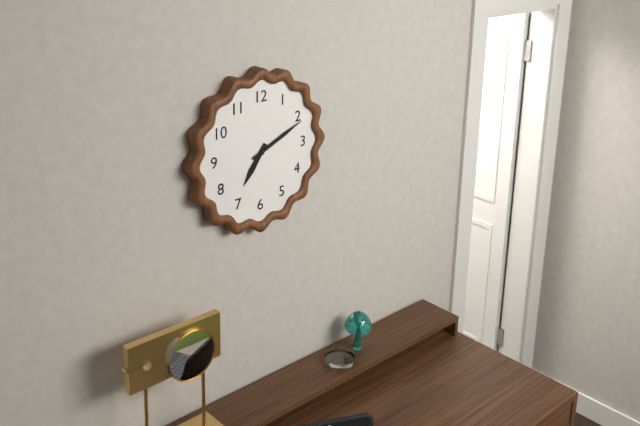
7:11
